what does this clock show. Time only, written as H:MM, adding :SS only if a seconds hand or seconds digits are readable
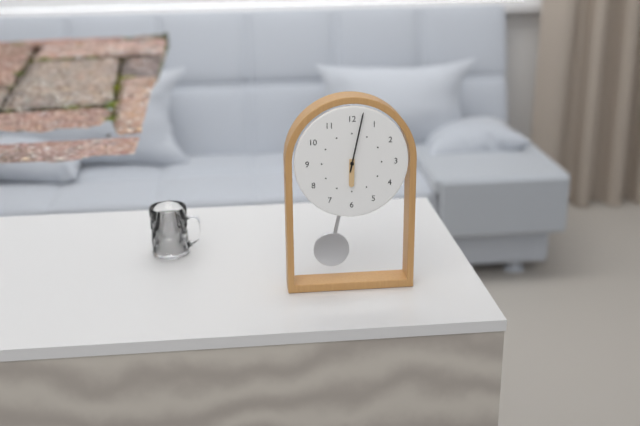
6:02
